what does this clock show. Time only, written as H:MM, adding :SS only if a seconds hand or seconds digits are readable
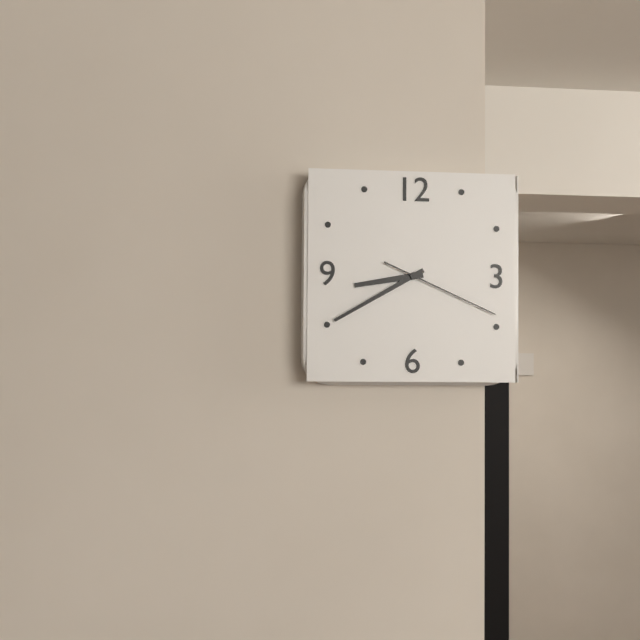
8:40:19
